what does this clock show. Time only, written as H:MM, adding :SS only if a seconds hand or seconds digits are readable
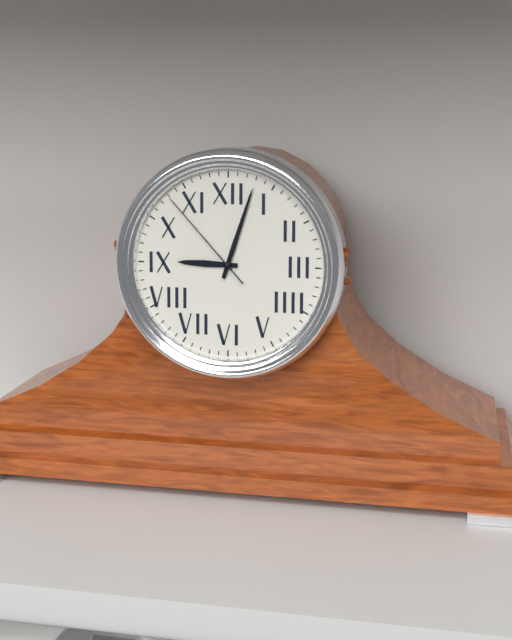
9:03:53
